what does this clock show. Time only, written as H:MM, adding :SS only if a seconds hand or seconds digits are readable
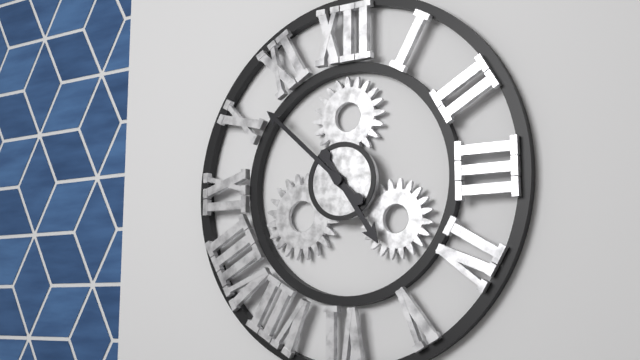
4:52
